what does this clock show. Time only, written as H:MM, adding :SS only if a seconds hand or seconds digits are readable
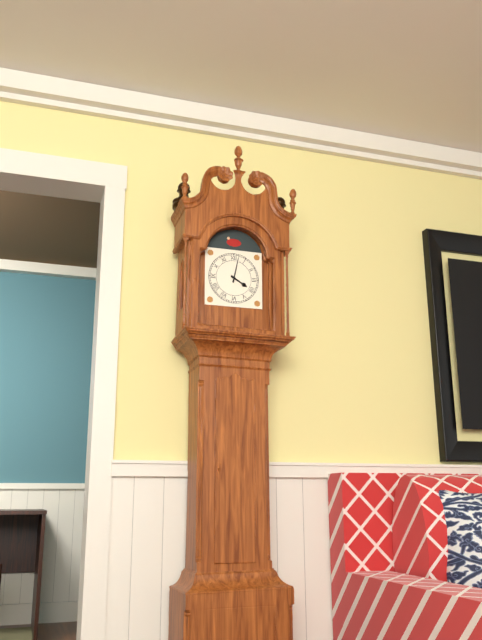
4:02
